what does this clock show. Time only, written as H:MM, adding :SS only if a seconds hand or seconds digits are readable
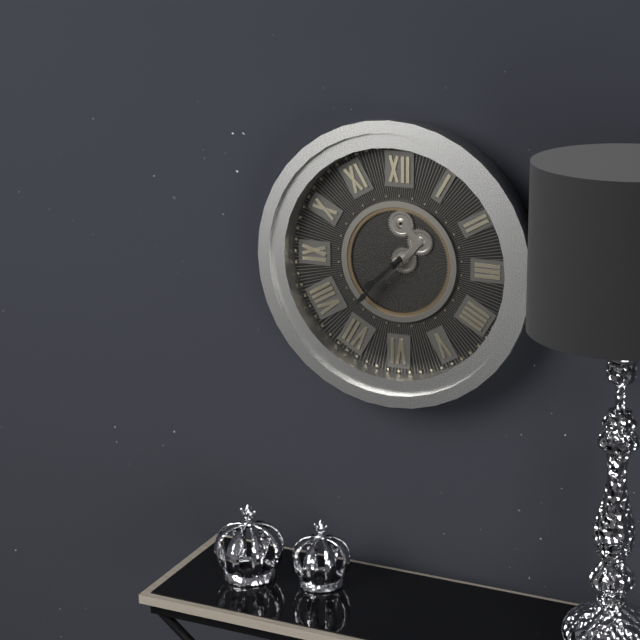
7:37
